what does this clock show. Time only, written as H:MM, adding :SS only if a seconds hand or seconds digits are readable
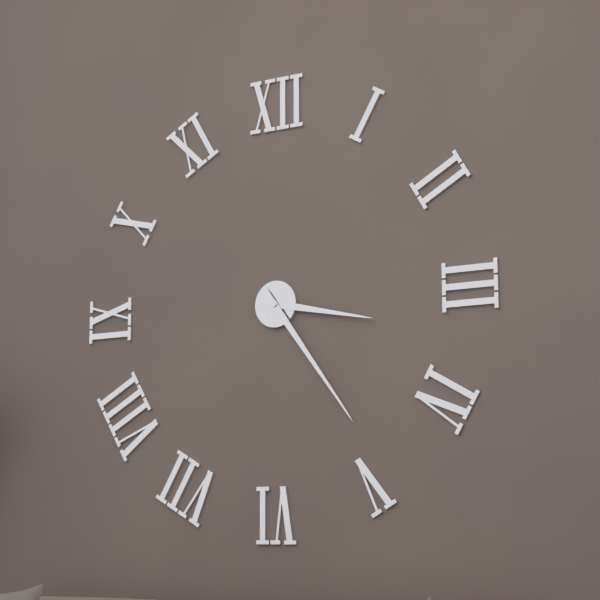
3:24
